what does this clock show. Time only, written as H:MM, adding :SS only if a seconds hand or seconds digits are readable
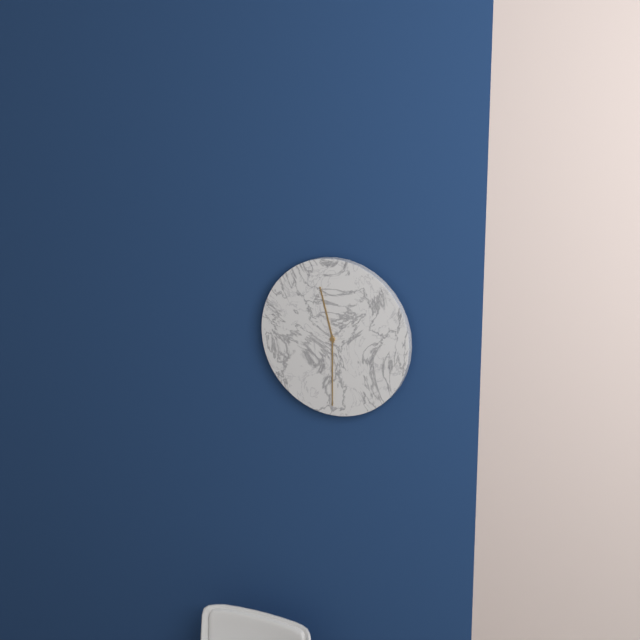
11:30
